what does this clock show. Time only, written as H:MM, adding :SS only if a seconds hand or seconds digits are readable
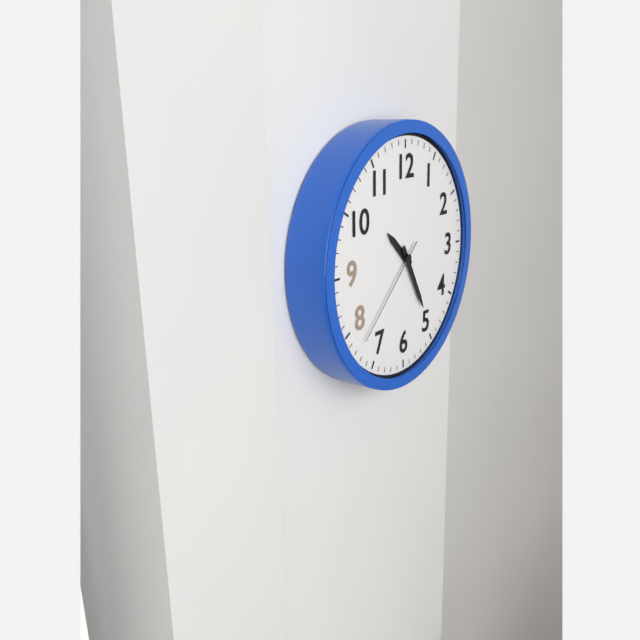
10:25:38
